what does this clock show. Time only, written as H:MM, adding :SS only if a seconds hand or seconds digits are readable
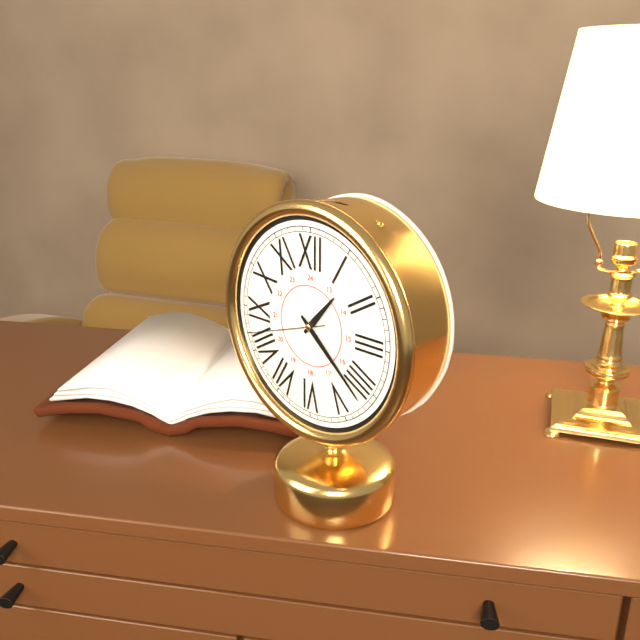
1:22:42
